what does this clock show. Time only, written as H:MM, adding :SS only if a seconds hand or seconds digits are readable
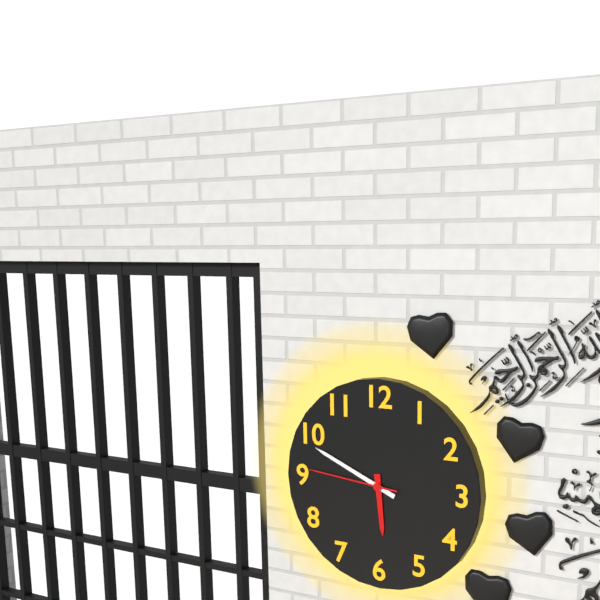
5:49:46
